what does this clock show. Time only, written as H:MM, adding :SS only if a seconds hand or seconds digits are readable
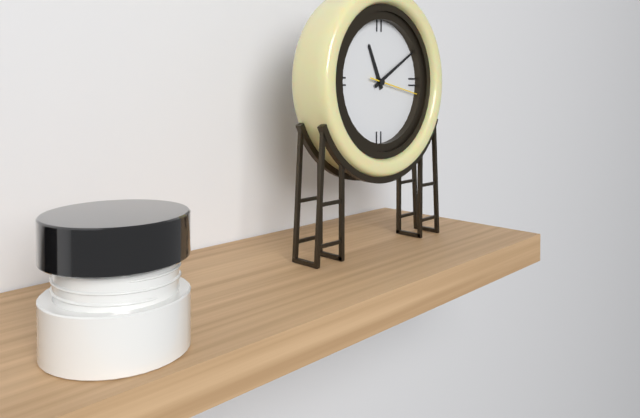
11:10
